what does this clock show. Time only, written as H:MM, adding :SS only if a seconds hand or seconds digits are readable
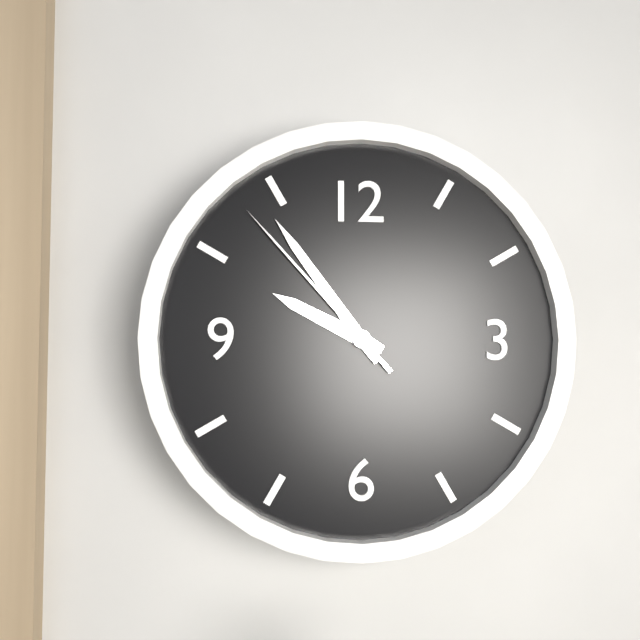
9:54:53
